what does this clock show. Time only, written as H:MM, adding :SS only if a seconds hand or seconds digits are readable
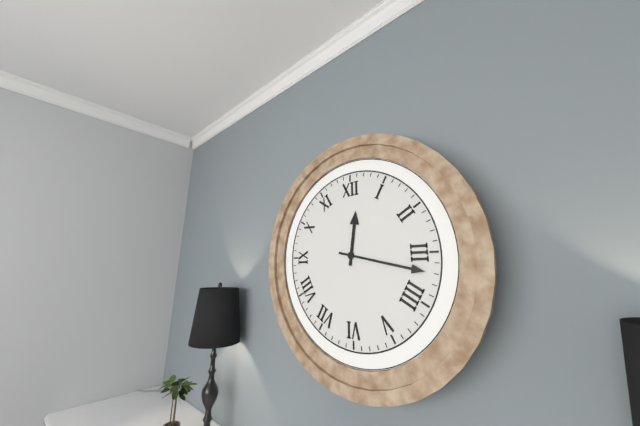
12:17
